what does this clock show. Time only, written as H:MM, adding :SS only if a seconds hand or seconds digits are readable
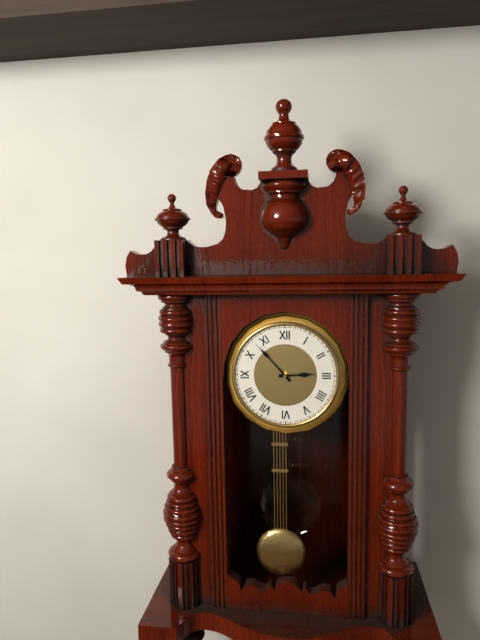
2:53
